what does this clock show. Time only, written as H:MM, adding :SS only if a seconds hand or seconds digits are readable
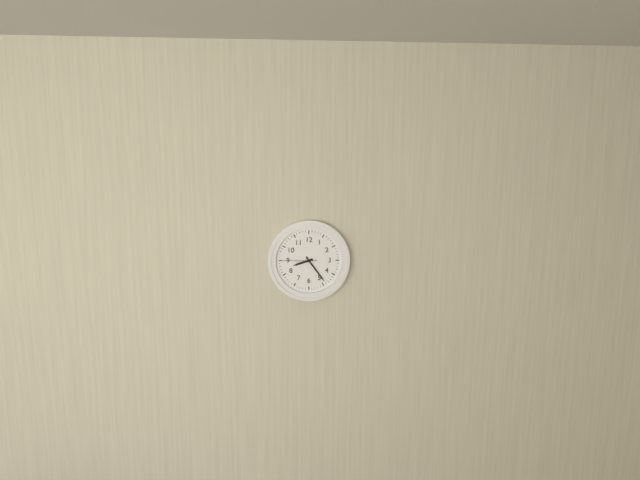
8:24
